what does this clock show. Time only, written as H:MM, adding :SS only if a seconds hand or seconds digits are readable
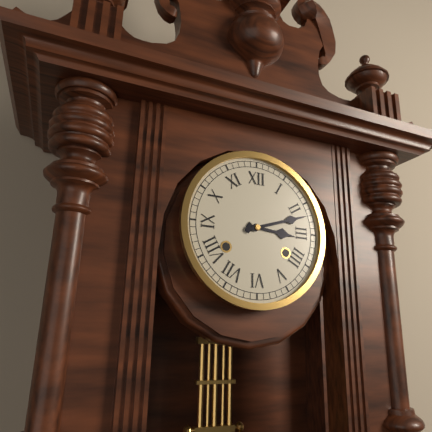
3:12
